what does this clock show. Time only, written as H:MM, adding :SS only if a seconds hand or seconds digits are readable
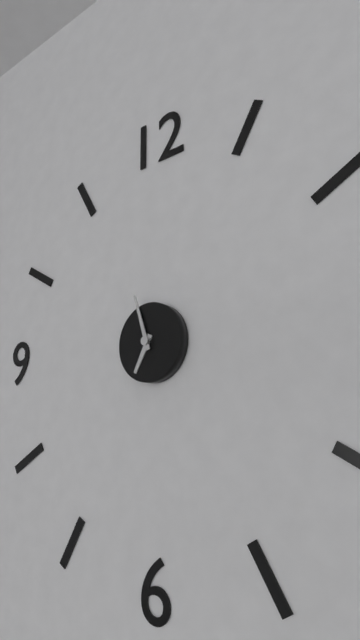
6:57
